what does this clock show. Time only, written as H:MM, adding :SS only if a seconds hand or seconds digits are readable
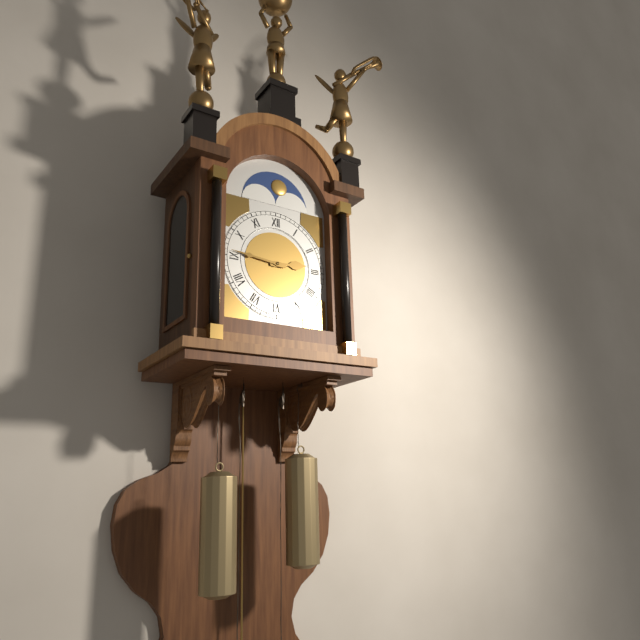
2:46
